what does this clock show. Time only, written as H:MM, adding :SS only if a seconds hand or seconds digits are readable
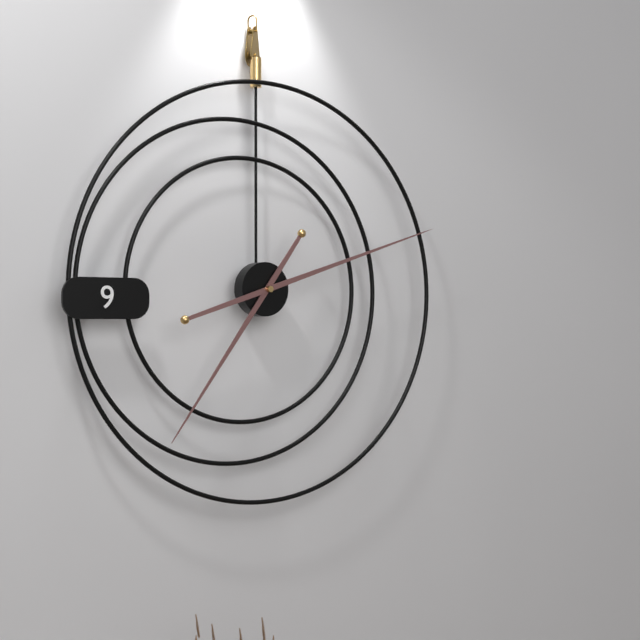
7:12
